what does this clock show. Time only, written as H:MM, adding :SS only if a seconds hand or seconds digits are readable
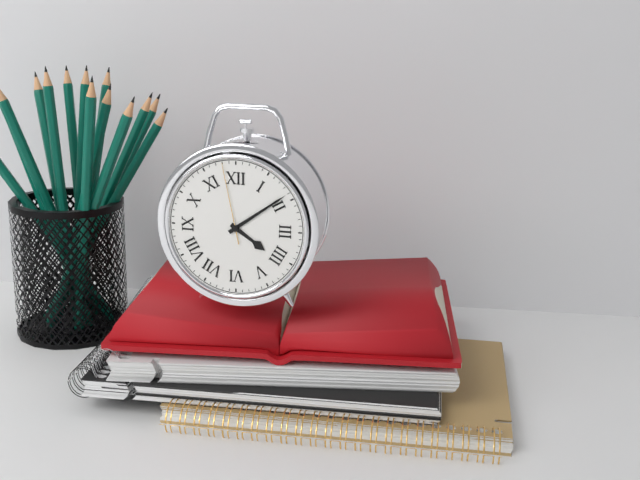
4:09:58
